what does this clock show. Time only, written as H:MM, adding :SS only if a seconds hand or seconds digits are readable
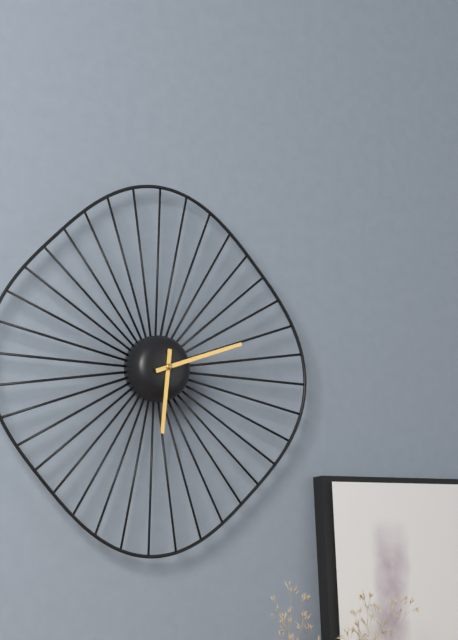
6:12
